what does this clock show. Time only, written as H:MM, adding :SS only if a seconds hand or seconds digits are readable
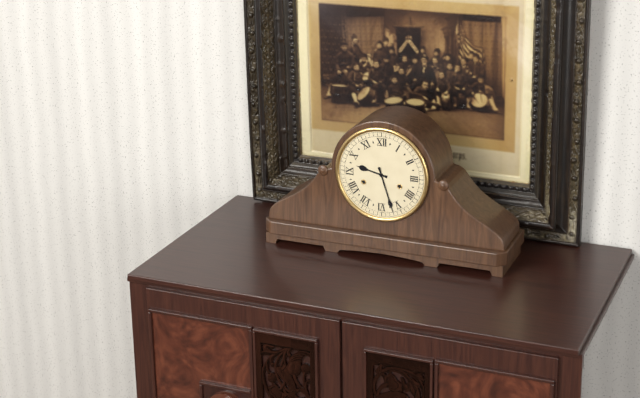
9:27
